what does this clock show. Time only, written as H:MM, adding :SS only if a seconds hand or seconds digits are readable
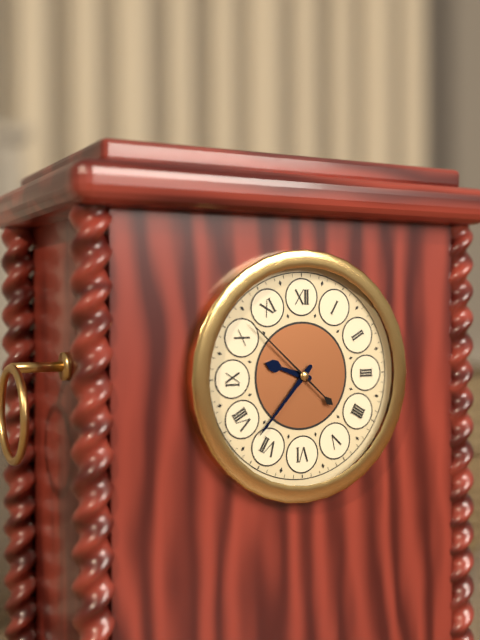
9:37:52
